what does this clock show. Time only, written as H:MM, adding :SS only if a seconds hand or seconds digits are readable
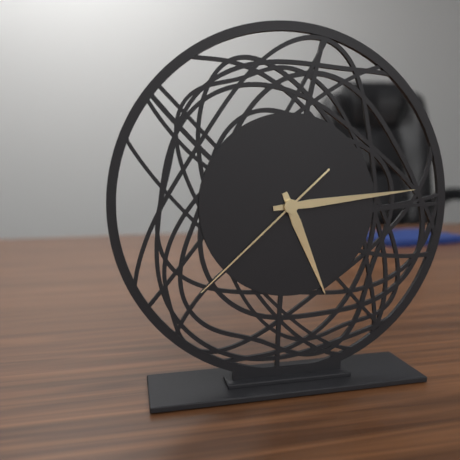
5:14:38
